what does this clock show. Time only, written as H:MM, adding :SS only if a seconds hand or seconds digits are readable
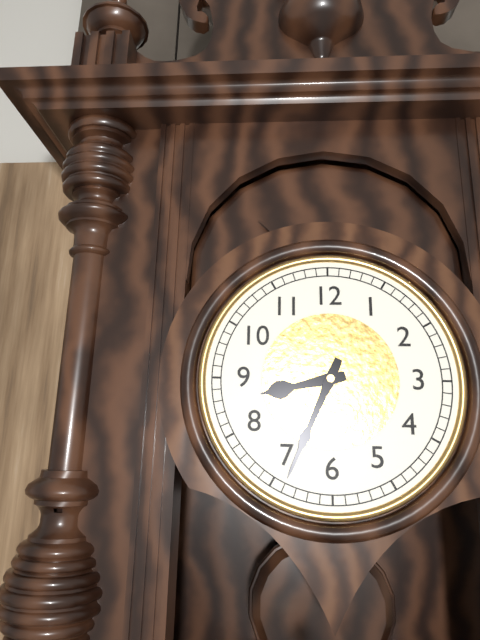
8:34
